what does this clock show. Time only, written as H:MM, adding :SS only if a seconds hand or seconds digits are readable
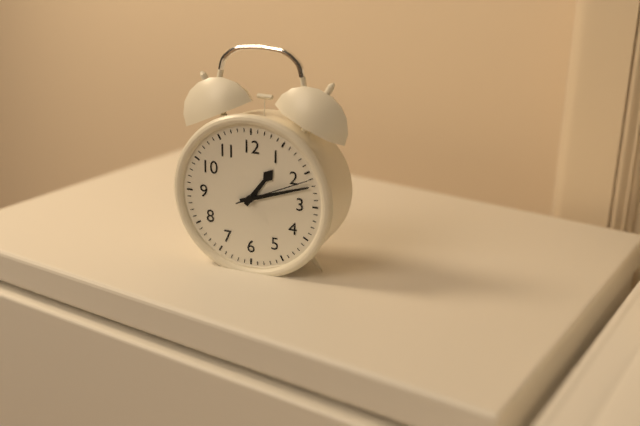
1:12:11
